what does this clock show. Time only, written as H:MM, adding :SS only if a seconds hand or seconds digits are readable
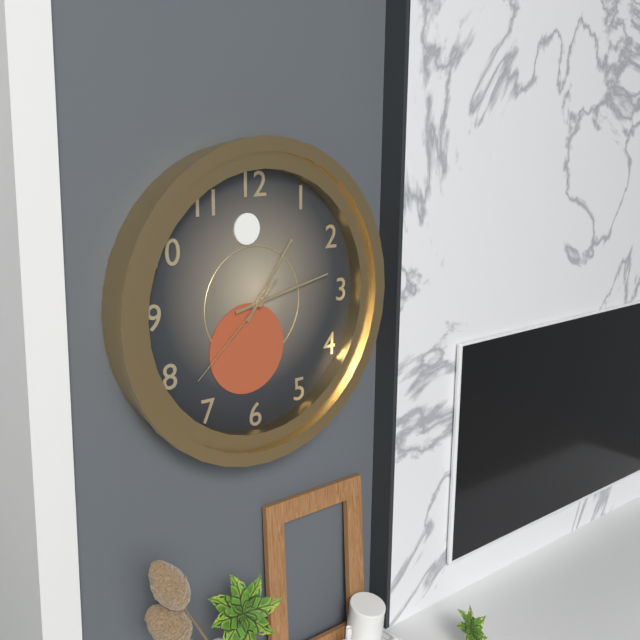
1:13:38
